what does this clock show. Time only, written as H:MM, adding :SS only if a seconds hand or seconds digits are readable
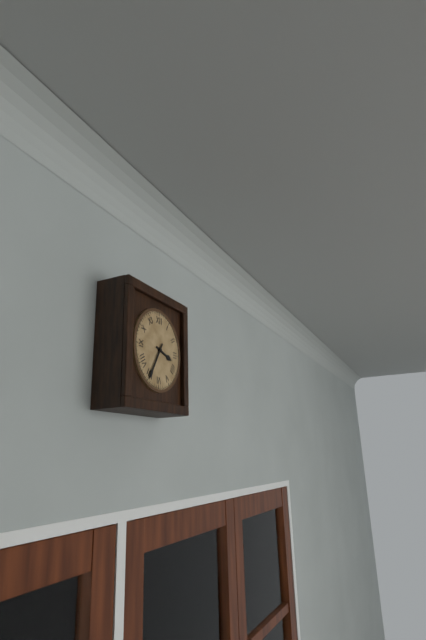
3:35
